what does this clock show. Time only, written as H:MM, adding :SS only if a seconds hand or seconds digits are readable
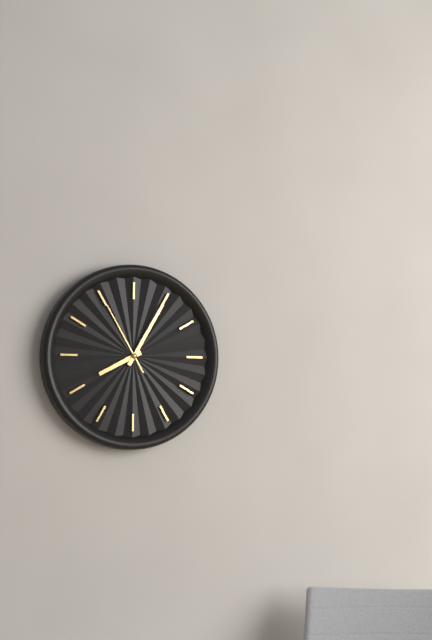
8:05:55
